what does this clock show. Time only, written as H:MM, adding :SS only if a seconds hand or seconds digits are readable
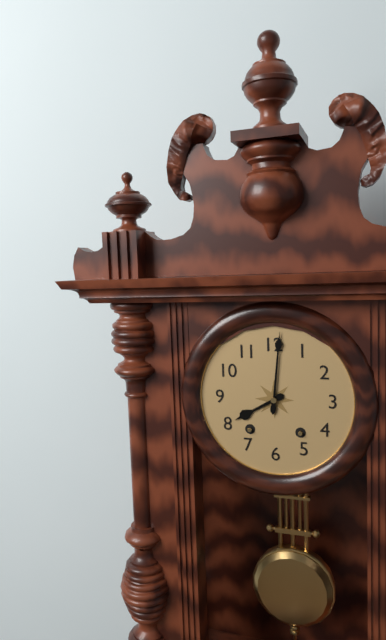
8:01
